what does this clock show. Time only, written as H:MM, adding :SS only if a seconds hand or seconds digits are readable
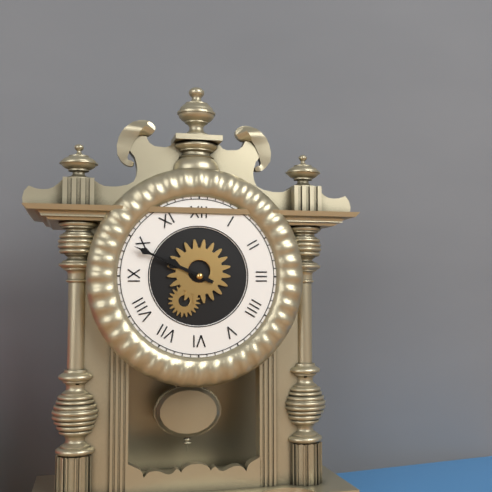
9:49
